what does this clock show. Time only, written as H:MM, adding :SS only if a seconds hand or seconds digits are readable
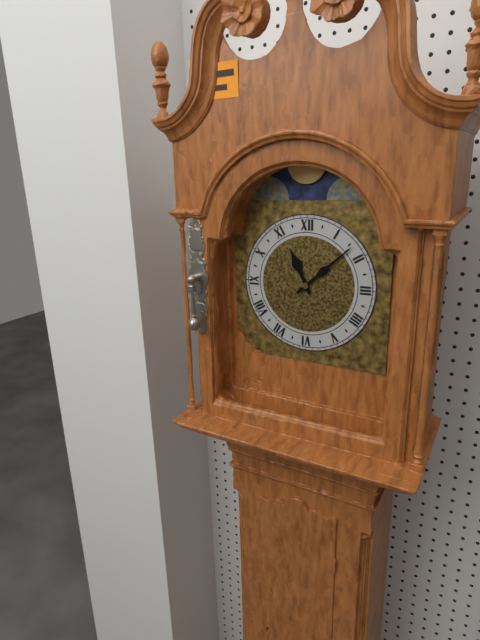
11:08
